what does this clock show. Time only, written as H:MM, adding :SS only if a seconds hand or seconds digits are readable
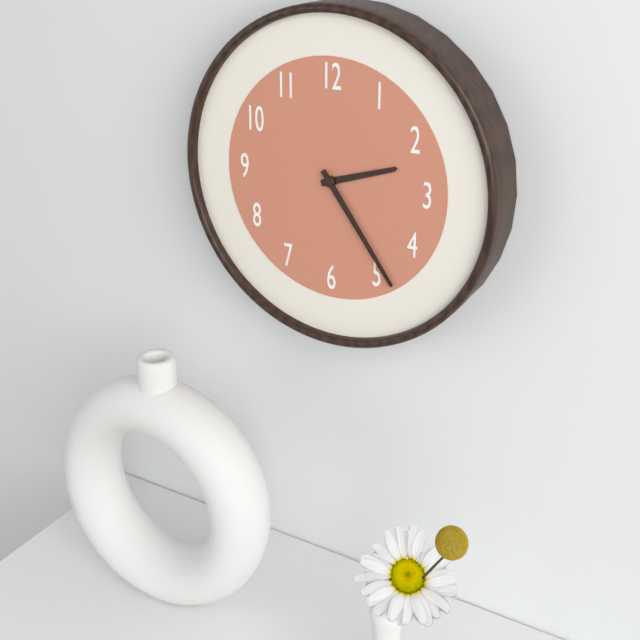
2:24
